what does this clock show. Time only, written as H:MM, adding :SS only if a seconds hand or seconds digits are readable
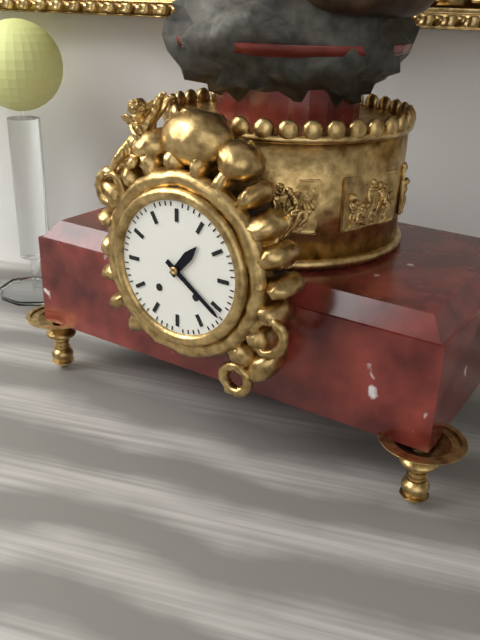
1:21
